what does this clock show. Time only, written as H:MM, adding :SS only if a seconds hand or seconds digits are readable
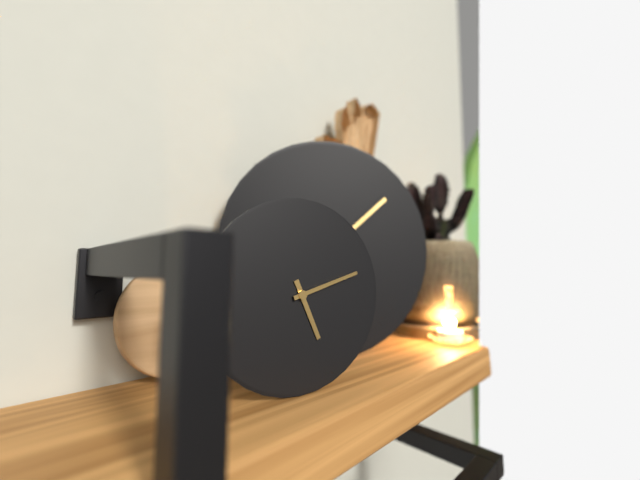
5:12
